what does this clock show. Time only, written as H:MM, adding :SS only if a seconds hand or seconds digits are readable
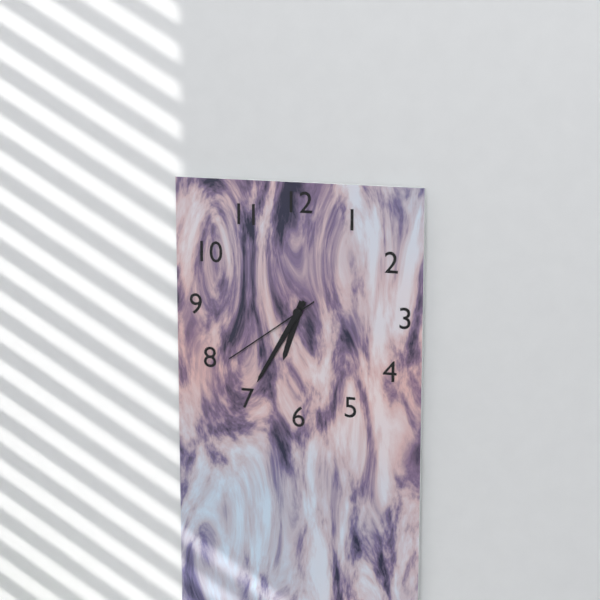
6:35:39
